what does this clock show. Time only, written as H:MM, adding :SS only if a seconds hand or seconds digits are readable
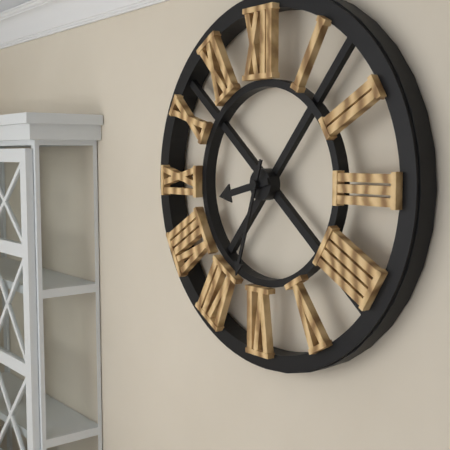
8:33
